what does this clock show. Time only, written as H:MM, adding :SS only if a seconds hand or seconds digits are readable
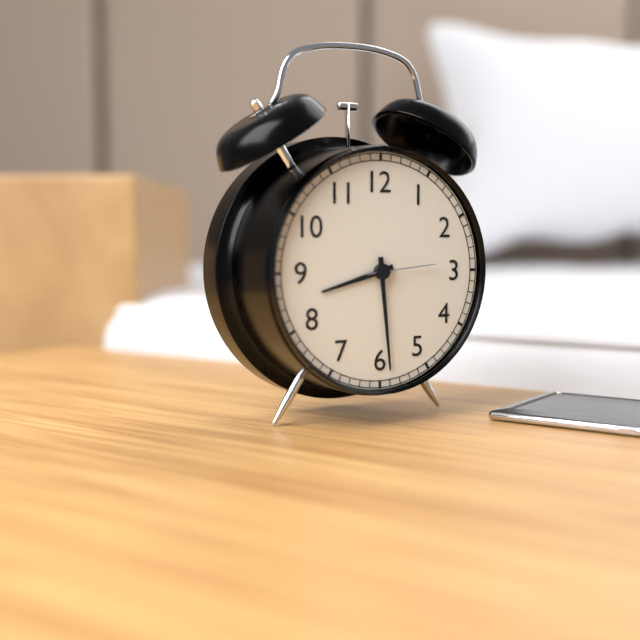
8:29:14
